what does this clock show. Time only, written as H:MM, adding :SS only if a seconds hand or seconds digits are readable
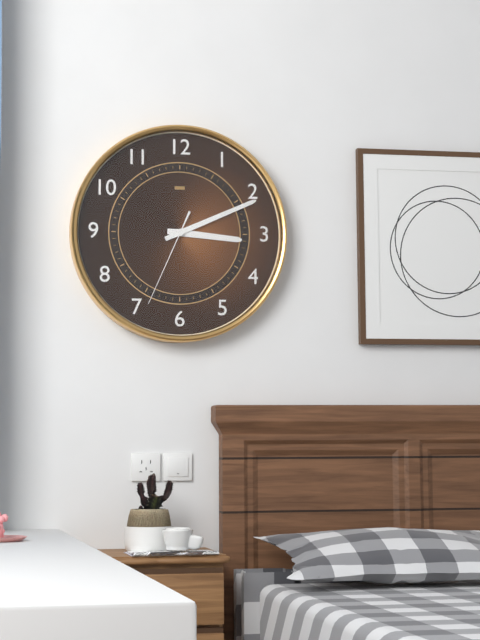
3:11:34
